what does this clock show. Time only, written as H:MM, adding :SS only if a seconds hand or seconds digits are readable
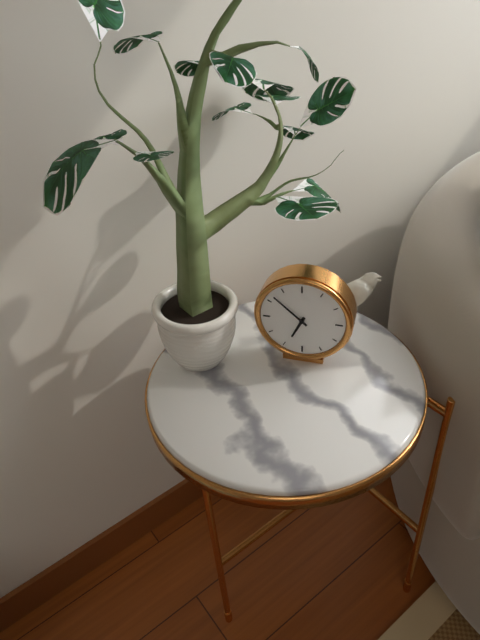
6:52
